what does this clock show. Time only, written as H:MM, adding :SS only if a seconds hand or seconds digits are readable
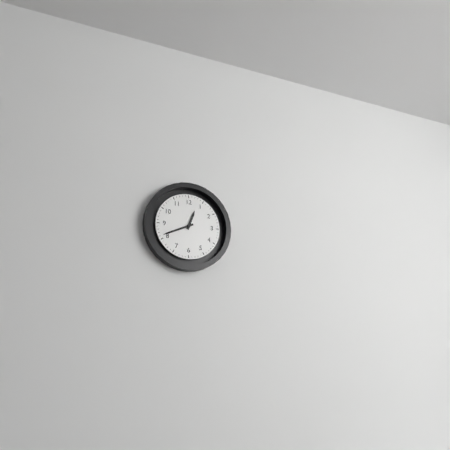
12:41
